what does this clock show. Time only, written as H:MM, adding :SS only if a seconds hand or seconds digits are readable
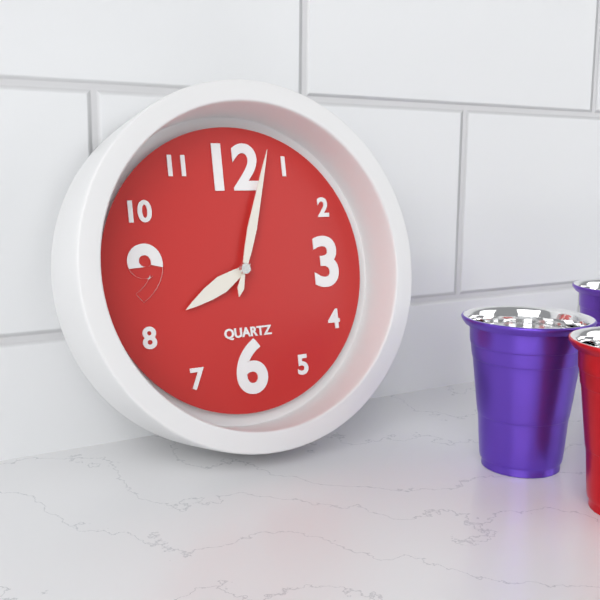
8:03
